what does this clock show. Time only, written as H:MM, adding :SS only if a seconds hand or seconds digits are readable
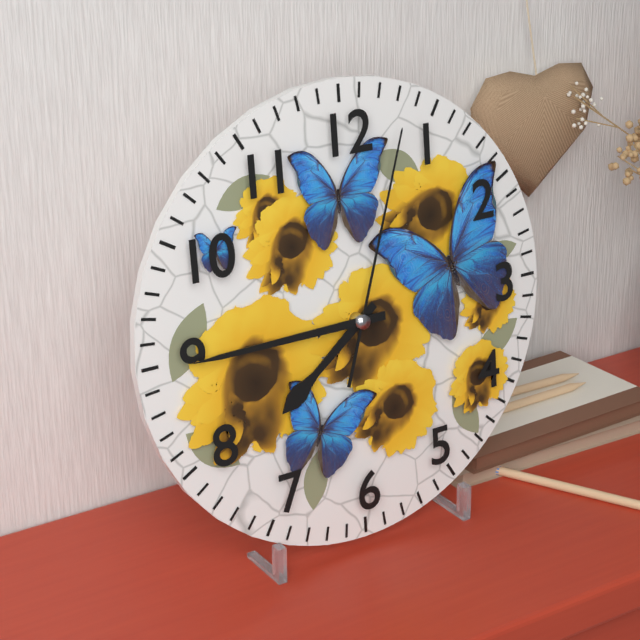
7:45:03
